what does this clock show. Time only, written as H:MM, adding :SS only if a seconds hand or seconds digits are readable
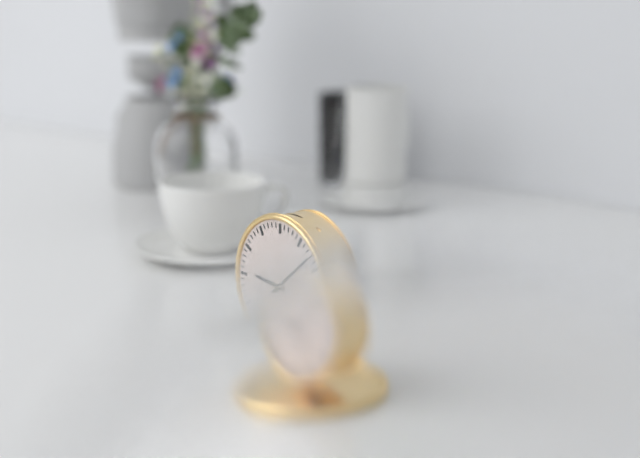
9:08
